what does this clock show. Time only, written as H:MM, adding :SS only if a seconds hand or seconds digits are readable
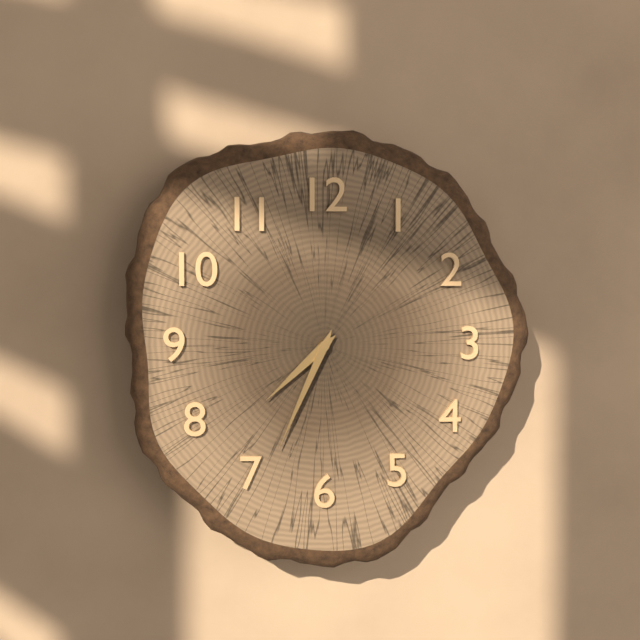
7:34
